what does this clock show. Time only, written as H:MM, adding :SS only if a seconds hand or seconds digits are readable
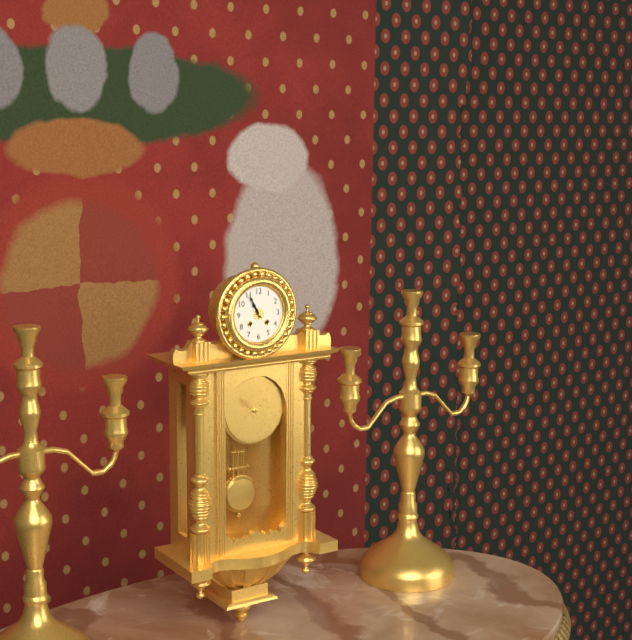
10:55
